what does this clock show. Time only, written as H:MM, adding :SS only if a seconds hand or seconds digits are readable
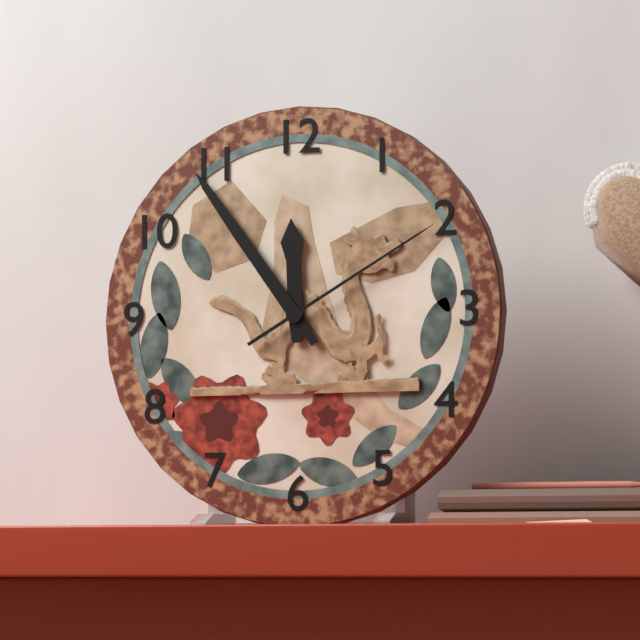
11:54:10
